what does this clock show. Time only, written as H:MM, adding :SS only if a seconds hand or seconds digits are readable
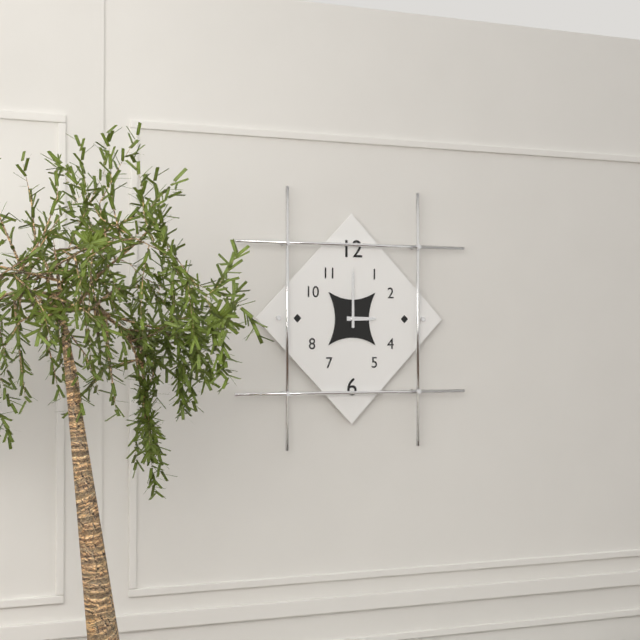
3:00
